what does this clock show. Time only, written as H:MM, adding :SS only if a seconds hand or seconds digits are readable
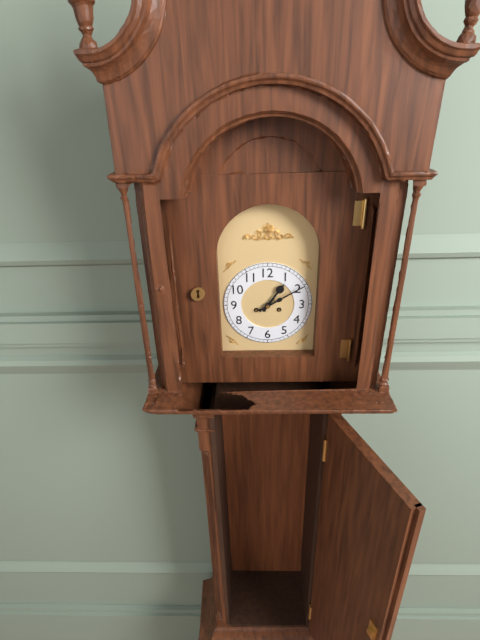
1:10
